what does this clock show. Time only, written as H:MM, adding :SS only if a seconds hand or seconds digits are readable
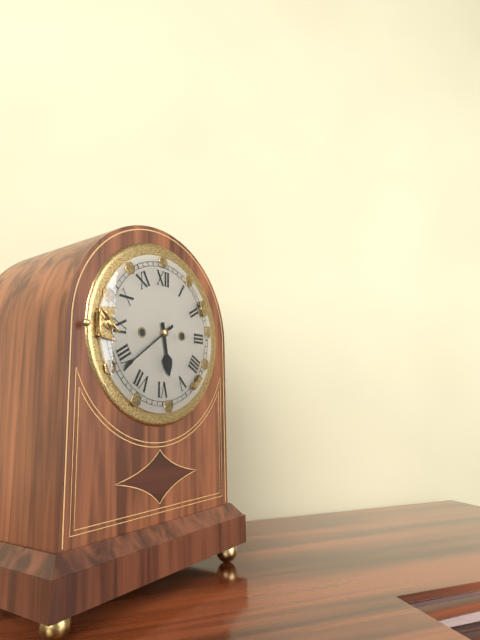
5:39
